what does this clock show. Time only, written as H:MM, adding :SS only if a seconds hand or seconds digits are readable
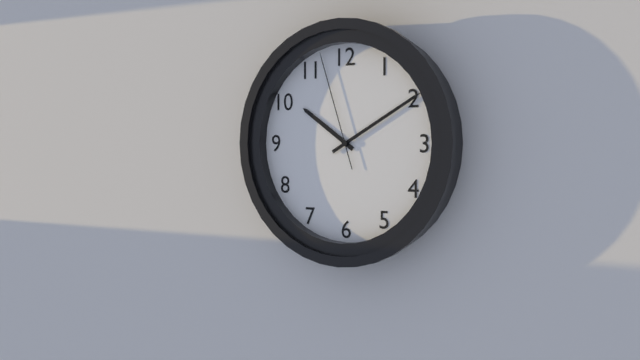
10:10:57
